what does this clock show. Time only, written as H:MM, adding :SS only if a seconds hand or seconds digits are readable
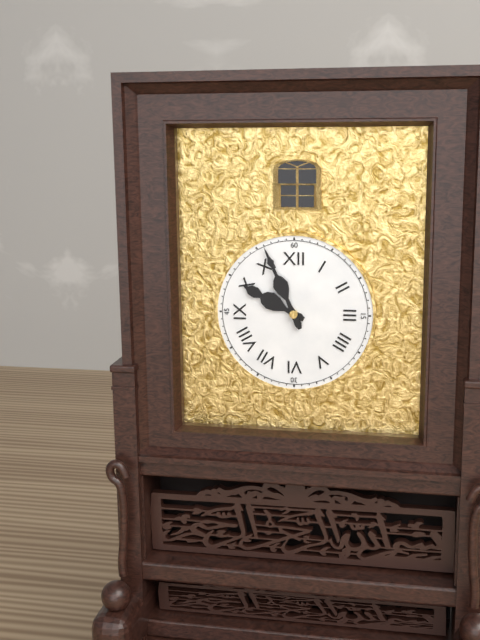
9:56
